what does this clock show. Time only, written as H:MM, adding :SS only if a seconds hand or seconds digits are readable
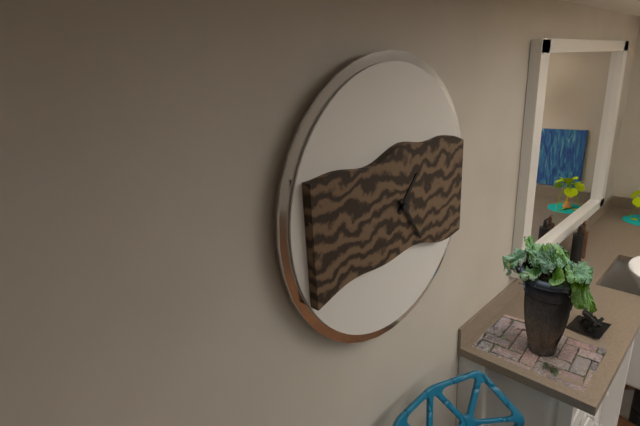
1:24
